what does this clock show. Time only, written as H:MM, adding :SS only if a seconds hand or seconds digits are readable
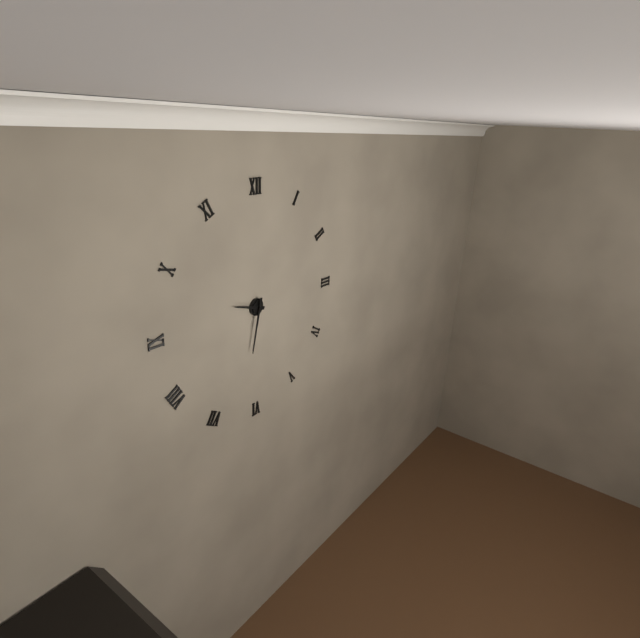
9:32
